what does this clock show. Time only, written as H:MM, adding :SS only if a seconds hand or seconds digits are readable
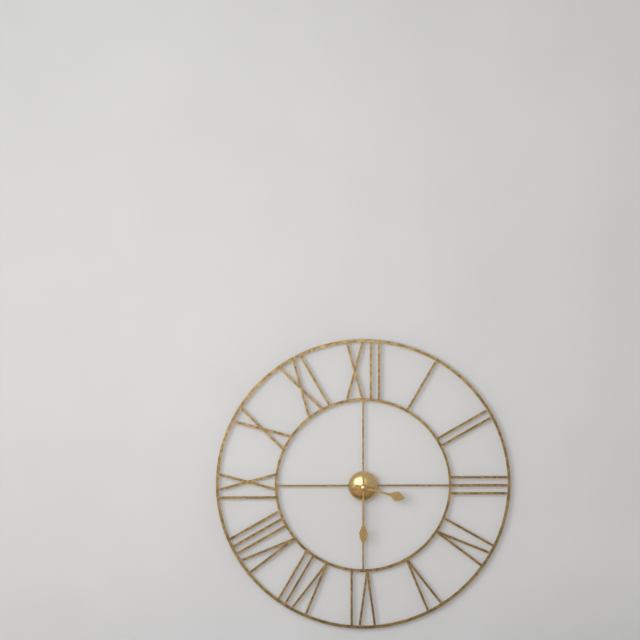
3:30:30
